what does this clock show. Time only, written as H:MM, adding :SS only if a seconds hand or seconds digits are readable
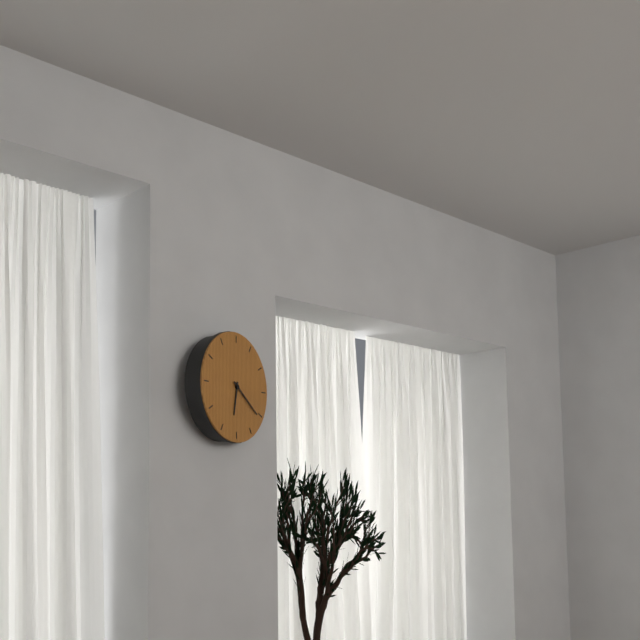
6:21
